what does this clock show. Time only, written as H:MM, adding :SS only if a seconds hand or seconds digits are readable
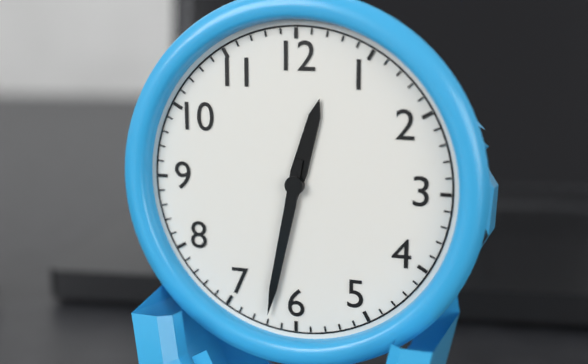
12:32
